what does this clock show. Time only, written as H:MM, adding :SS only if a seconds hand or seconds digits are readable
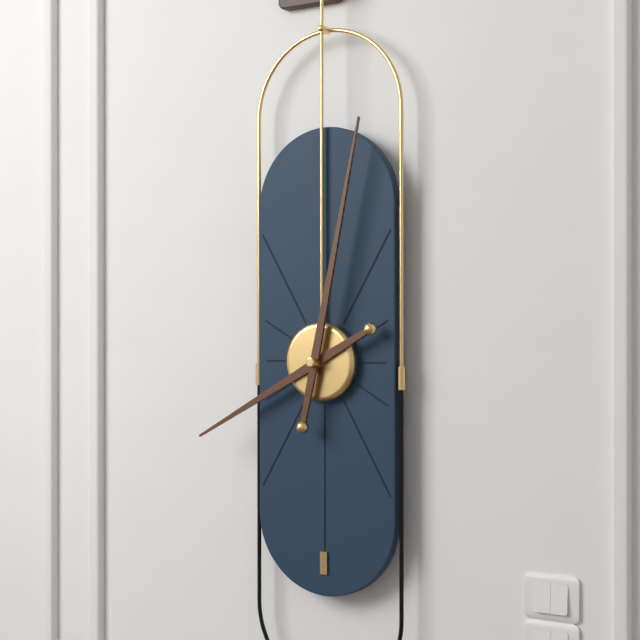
8:02
